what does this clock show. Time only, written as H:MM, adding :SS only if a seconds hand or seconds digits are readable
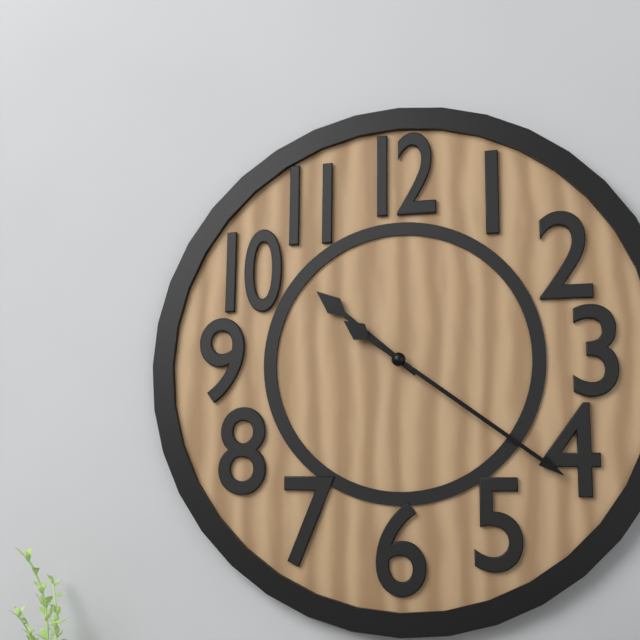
10:21
